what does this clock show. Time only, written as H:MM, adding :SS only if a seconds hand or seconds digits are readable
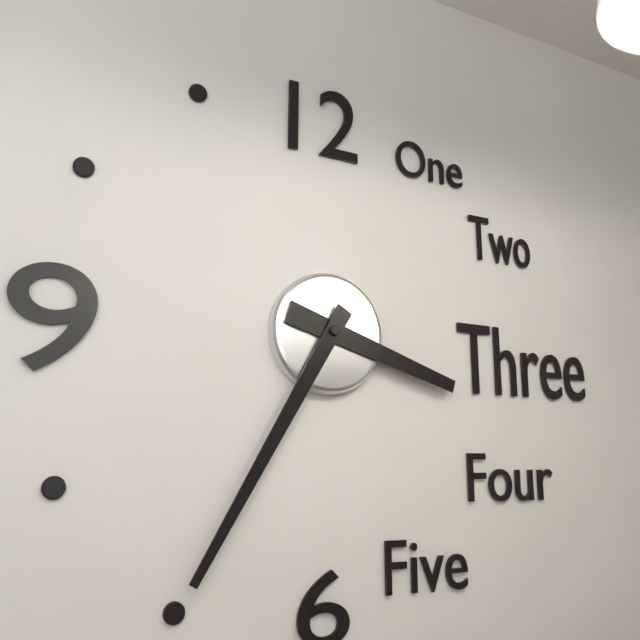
3:35
